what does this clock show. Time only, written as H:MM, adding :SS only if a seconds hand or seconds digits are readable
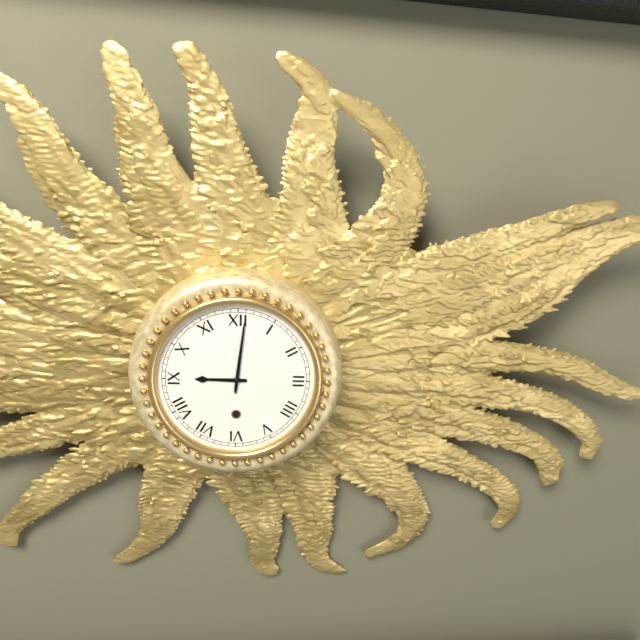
9:01
